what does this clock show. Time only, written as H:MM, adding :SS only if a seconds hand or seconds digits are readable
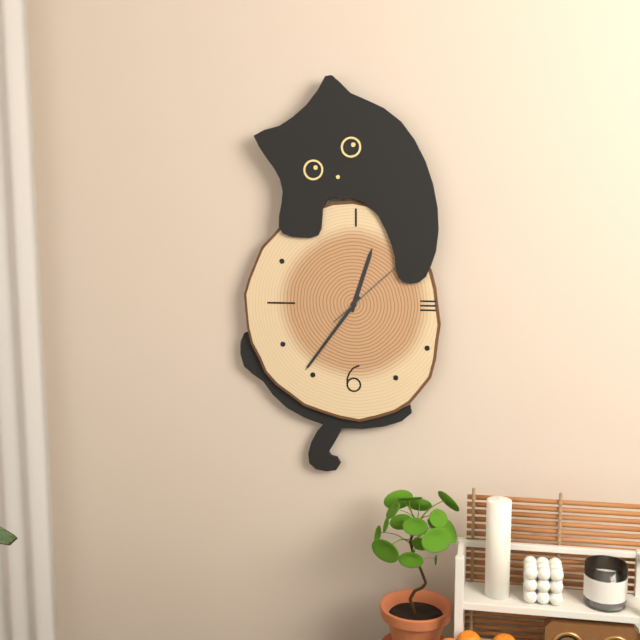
12:36
